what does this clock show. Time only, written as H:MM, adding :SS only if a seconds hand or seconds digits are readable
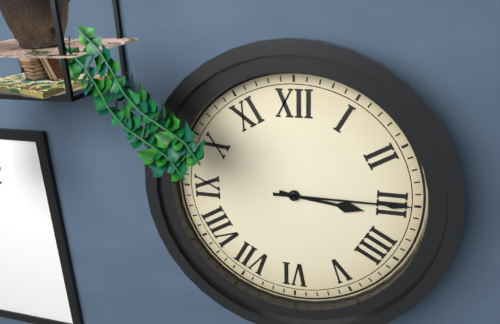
3:15
